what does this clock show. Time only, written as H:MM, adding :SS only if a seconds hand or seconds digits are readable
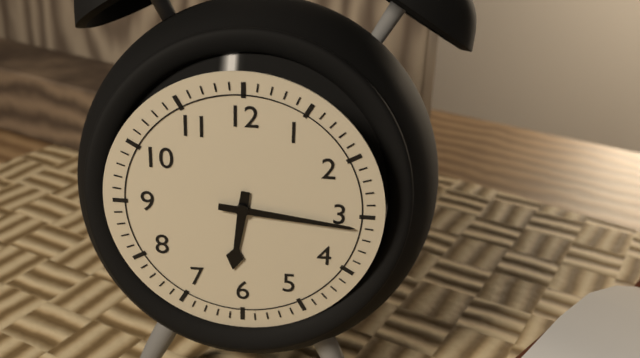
6:16
